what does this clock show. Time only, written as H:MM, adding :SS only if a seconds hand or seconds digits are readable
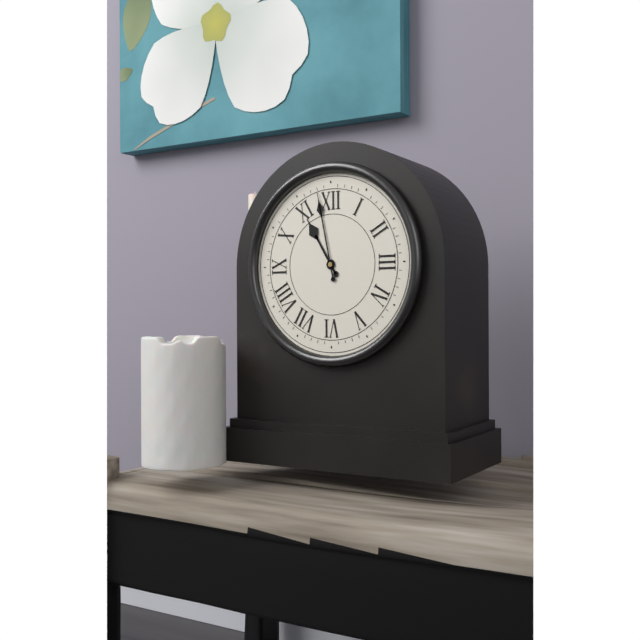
10:58
